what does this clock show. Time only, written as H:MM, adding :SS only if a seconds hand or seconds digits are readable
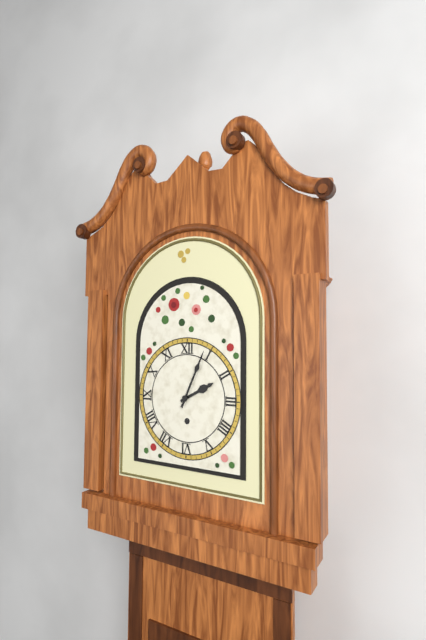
2:04
